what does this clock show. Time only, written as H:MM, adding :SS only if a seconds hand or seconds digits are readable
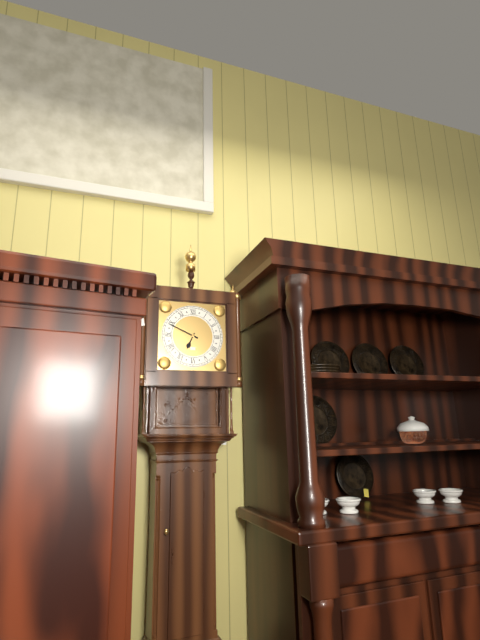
6:49
